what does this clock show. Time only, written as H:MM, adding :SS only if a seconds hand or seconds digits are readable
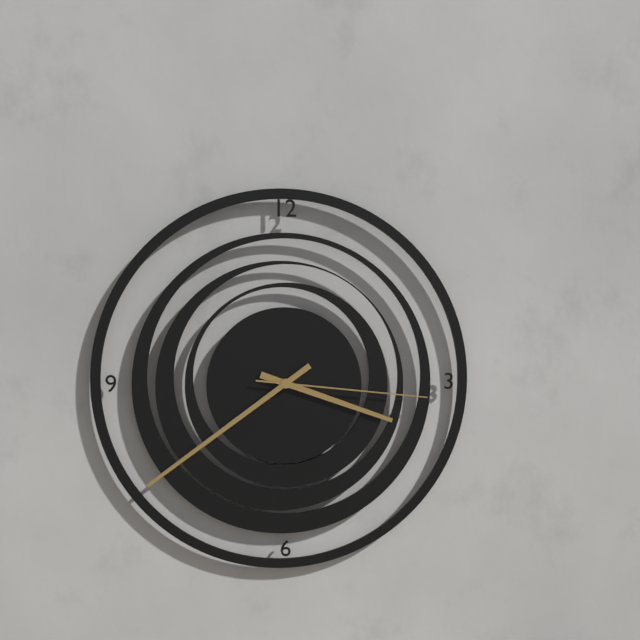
3:39:16
